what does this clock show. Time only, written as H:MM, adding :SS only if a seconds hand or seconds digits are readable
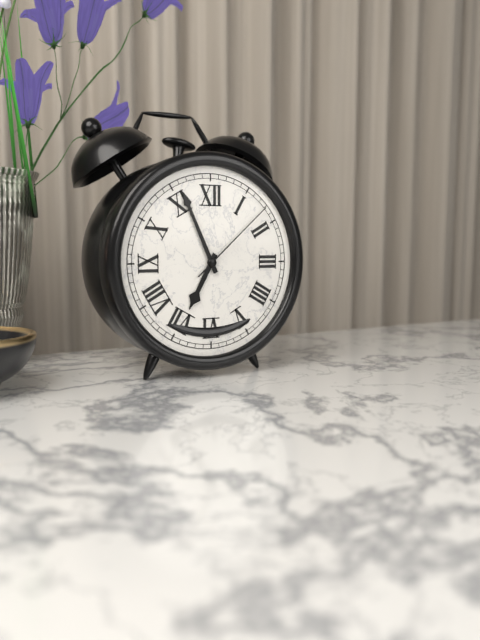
6:56:08
